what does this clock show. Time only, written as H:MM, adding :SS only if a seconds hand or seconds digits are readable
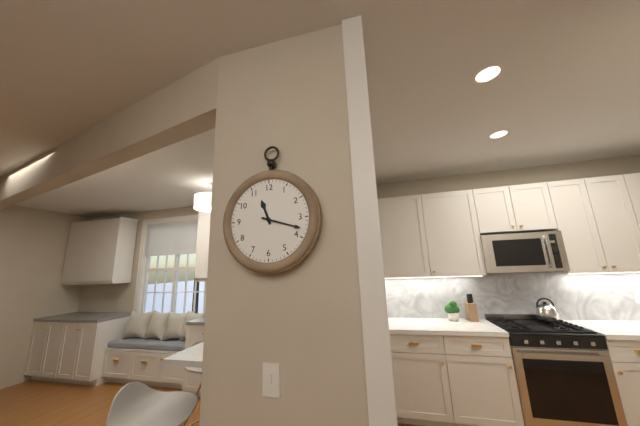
11:18
